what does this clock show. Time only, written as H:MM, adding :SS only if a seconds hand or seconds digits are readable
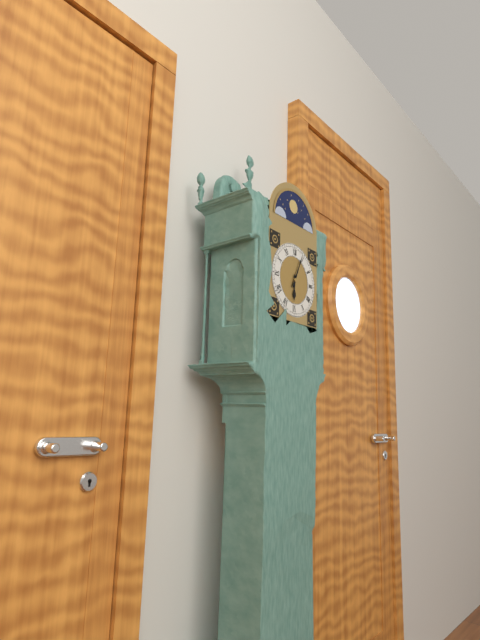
6:04
